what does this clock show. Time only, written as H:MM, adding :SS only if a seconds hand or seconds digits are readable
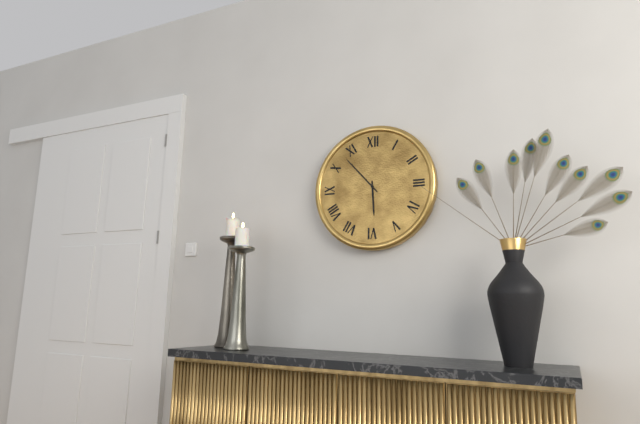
5:53
